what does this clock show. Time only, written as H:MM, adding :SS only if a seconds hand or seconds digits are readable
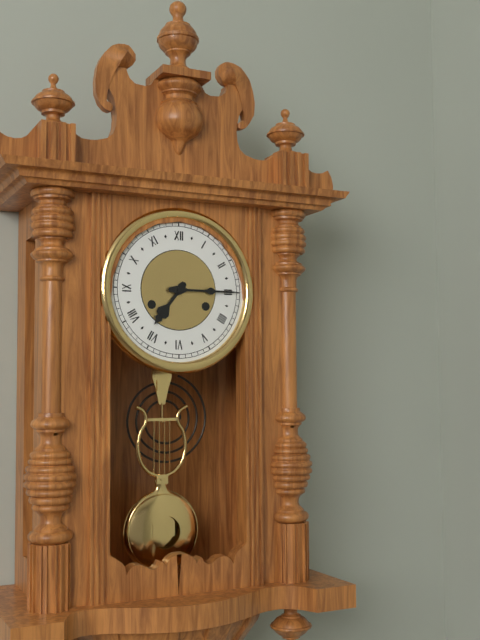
7:15
